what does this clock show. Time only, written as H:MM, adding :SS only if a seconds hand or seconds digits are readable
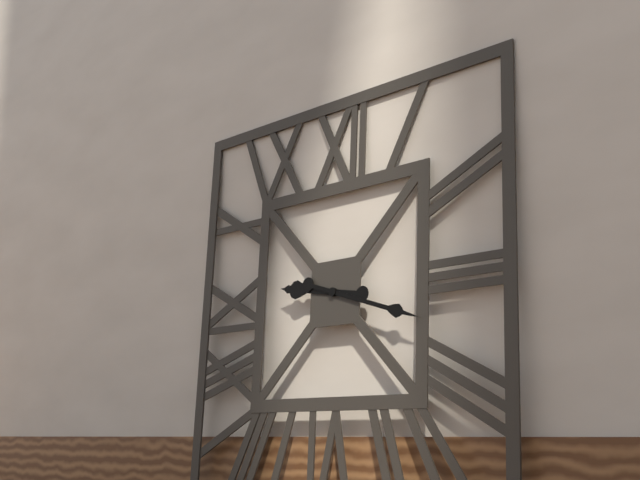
9:18
